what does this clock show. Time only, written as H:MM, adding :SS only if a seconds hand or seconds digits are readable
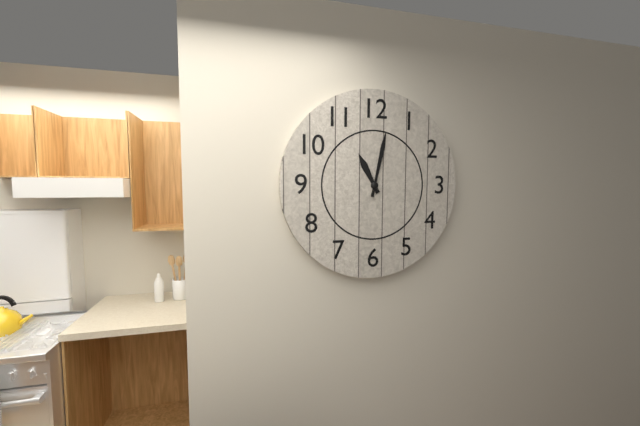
11:02
